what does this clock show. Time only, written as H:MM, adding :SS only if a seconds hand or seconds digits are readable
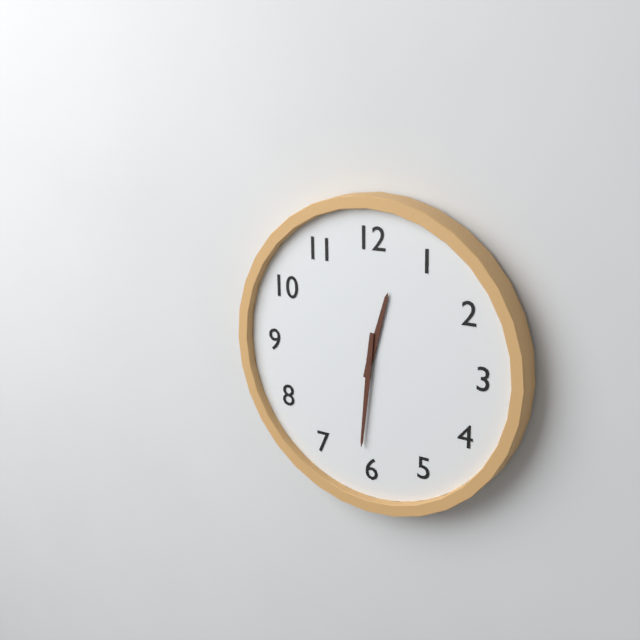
12:31
